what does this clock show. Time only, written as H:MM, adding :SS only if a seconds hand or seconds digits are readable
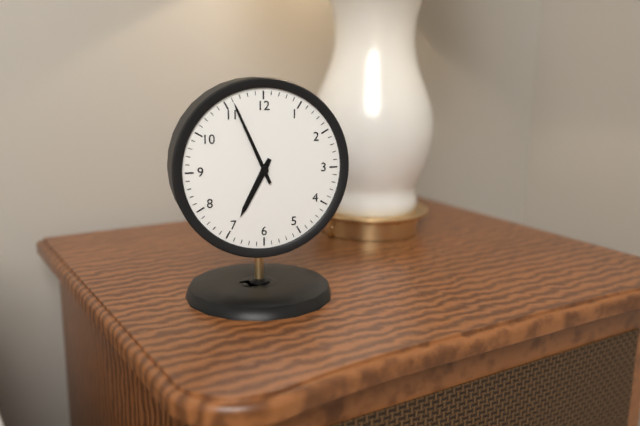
6:56
